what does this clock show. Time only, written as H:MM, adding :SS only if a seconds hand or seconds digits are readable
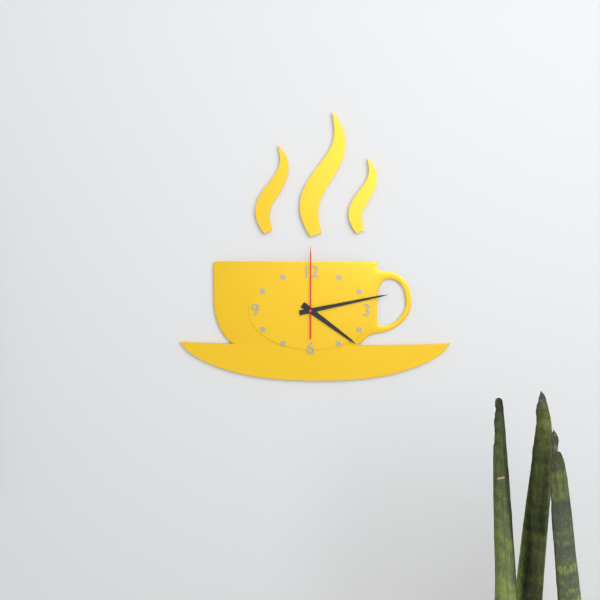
4:13:00
